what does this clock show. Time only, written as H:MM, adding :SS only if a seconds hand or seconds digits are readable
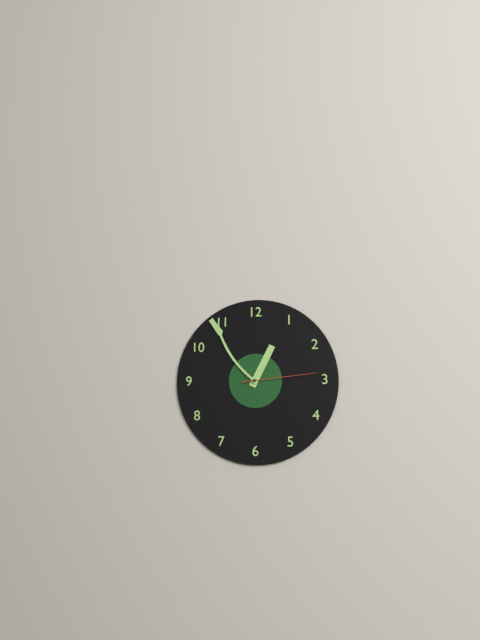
12:54:14
